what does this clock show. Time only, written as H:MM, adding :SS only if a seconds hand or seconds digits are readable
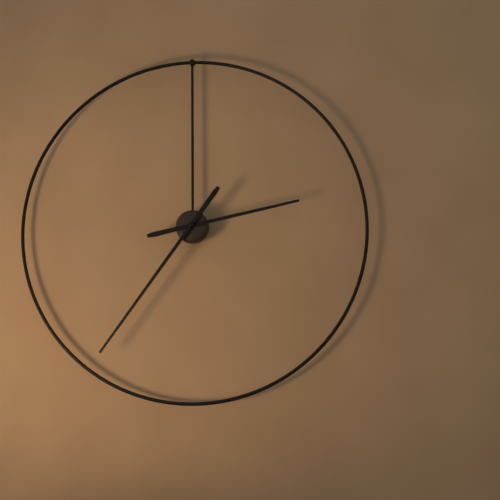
2:36
